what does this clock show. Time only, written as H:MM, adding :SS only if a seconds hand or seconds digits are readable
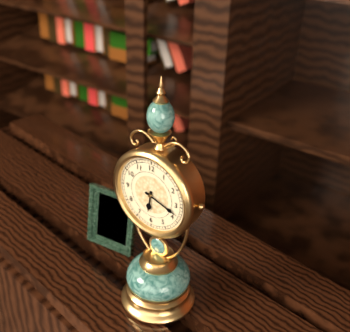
6:18
